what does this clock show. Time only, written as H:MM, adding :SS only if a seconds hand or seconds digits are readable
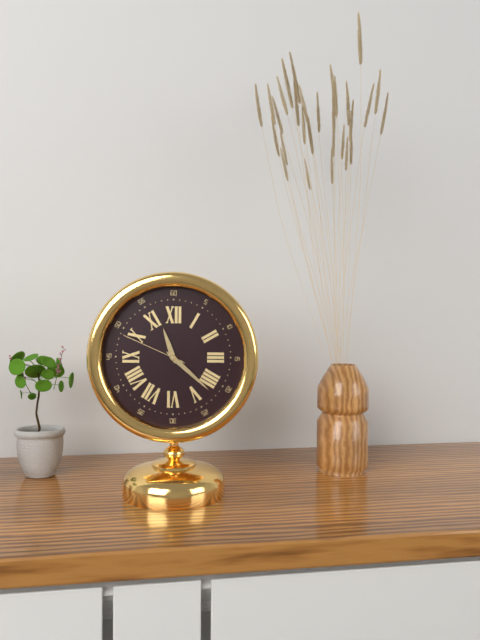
11:22:49
